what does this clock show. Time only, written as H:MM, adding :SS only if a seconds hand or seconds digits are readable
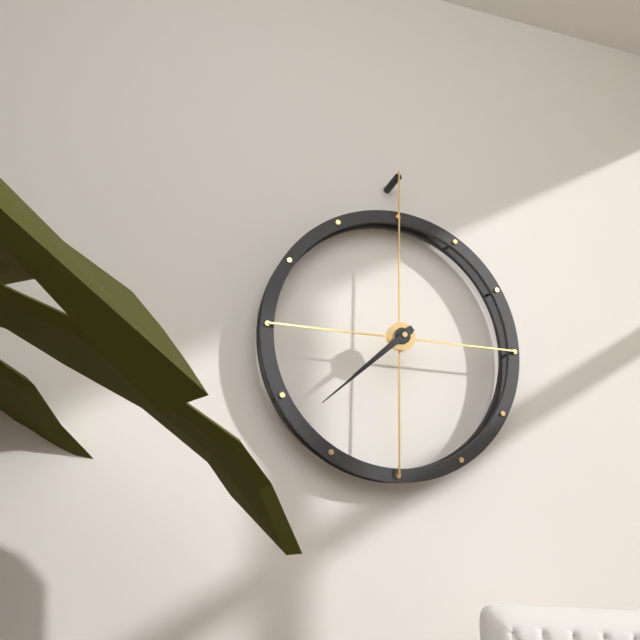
7:38
